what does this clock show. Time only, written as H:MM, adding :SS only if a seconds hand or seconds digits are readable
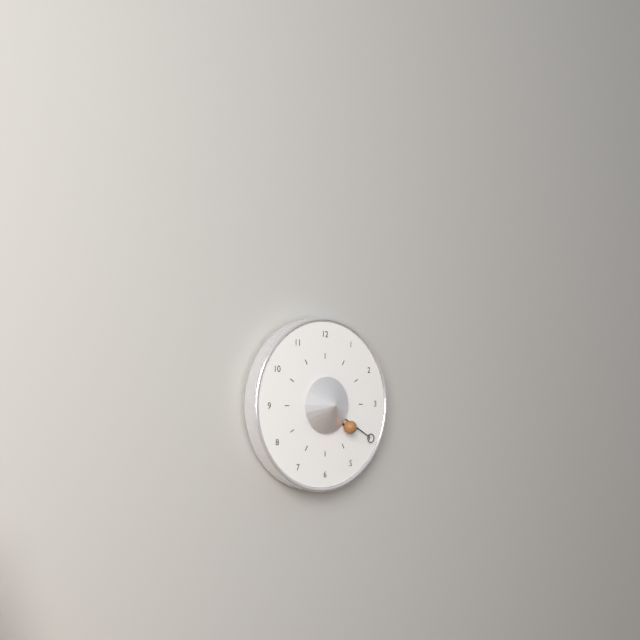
4:20
